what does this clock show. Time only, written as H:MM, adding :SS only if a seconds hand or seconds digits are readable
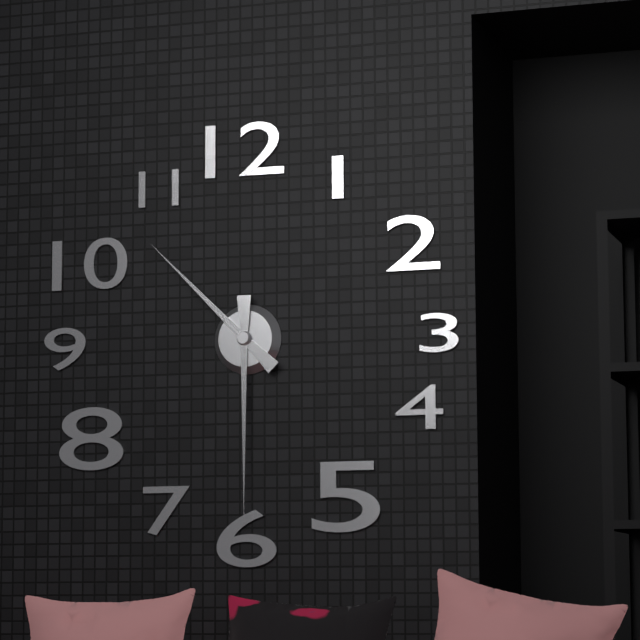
10:30
